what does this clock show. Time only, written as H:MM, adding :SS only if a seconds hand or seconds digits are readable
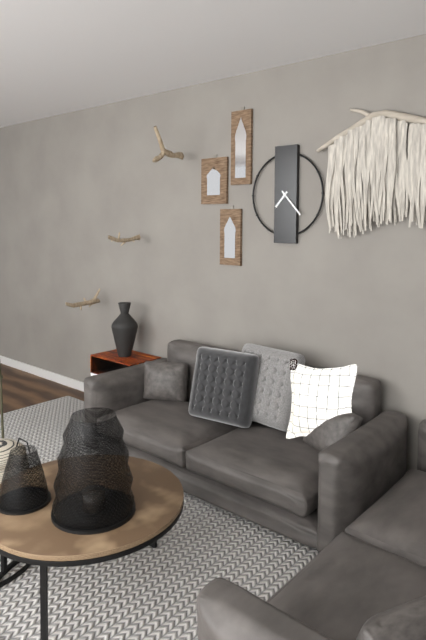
7:23
